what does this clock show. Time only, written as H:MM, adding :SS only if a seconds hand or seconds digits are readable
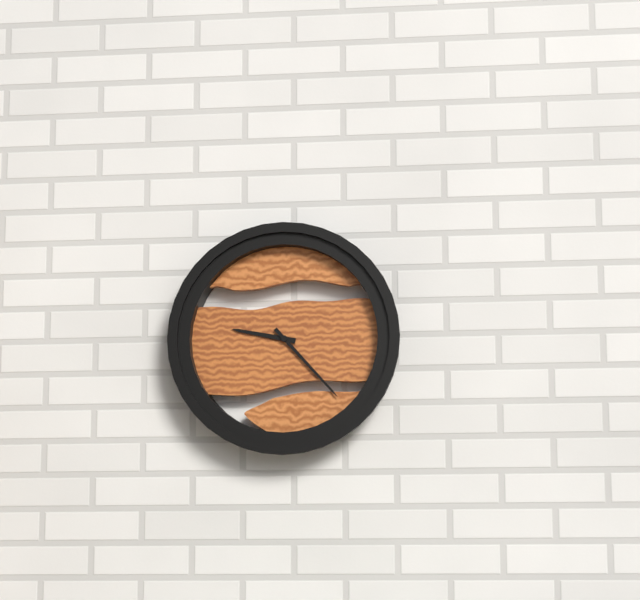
9:23
